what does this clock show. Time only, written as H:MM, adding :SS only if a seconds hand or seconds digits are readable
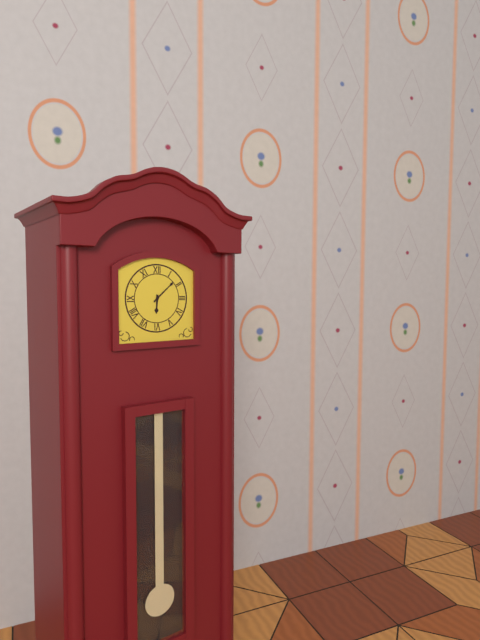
6:08
